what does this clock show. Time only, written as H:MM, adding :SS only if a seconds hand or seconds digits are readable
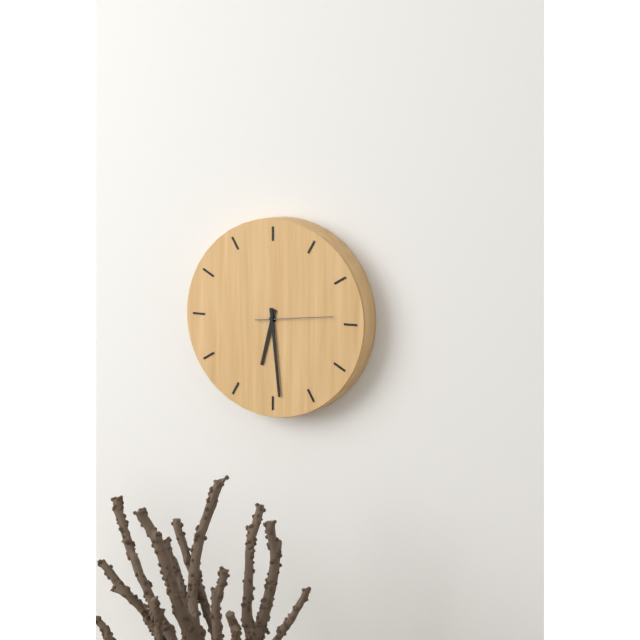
6:29:14
